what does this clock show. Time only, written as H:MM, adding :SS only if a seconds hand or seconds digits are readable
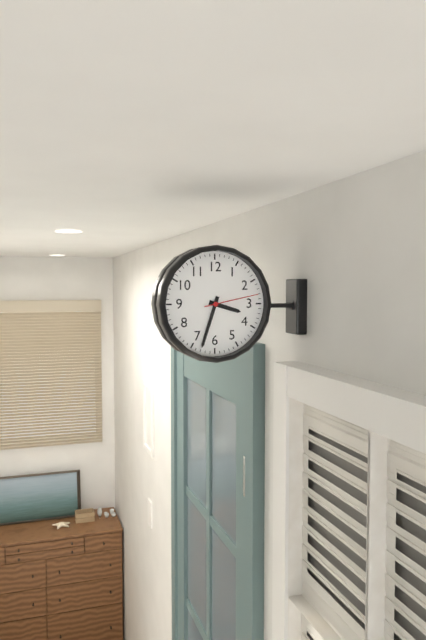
3:33:13
